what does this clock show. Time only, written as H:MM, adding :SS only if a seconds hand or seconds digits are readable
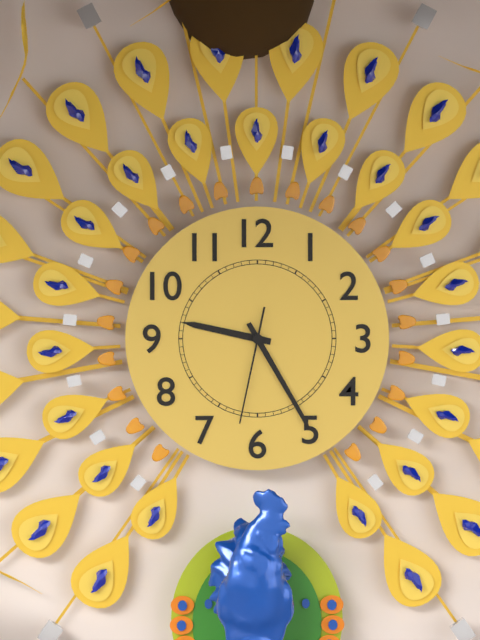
9:25:32
